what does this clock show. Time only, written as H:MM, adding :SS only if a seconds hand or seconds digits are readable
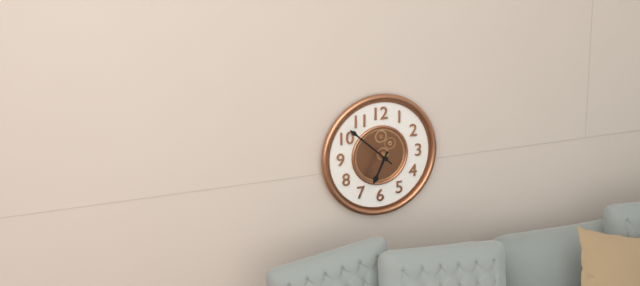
6:52
